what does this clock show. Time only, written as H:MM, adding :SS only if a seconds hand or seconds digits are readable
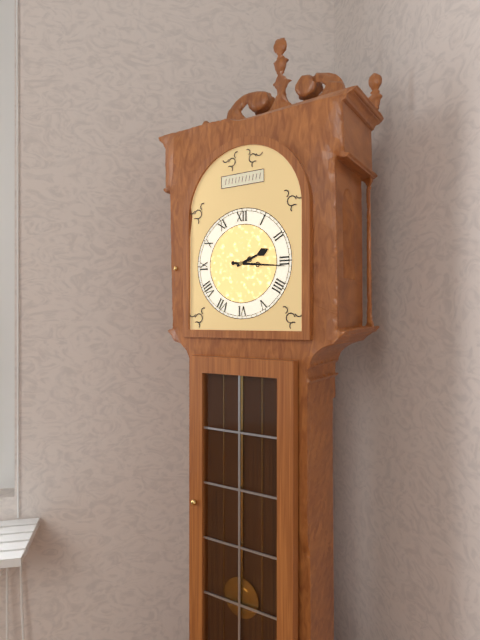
2:16
